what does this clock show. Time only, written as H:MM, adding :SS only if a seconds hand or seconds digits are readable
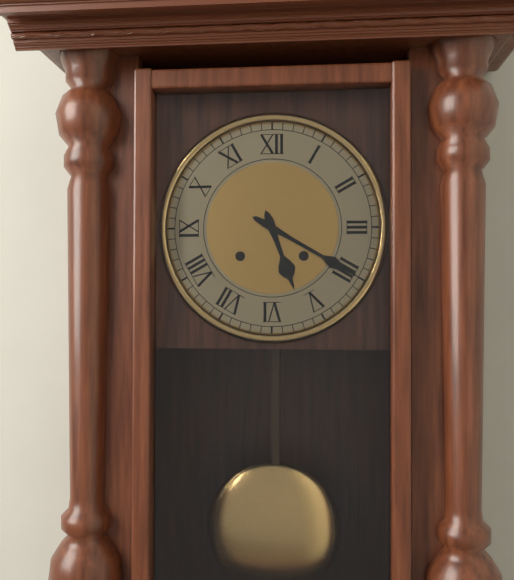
5:20
